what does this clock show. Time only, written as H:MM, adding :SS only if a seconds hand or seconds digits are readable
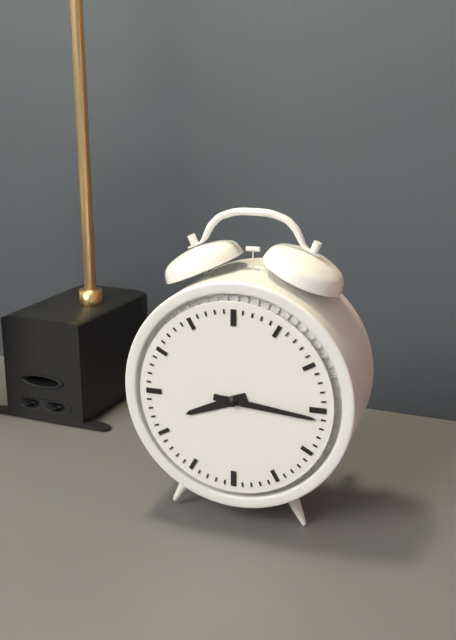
8:16
